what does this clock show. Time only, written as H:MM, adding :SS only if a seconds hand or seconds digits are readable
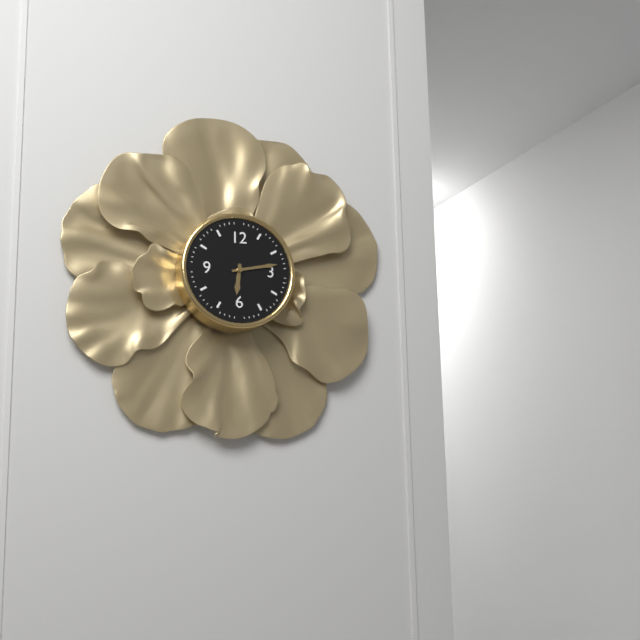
6:13
